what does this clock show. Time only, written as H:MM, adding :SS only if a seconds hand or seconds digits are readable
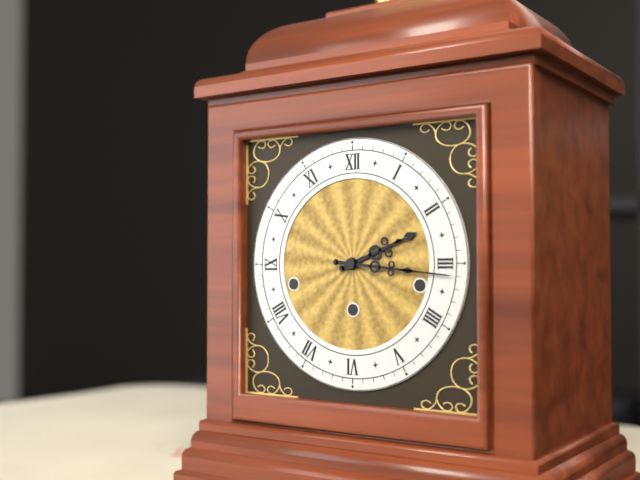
2:16
